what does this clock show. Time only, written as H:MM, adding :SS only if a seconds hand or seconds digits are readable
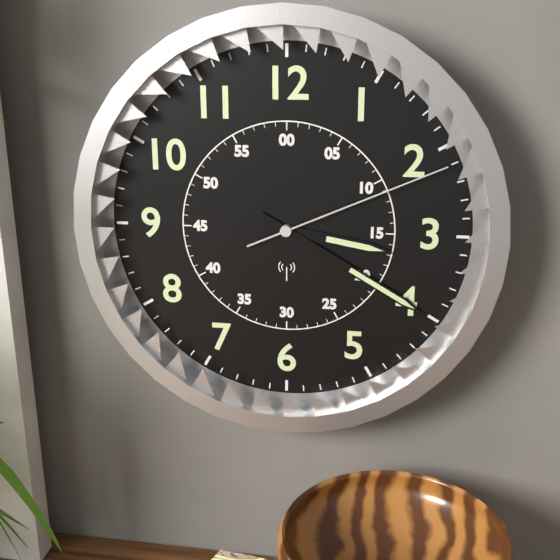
3:20:11
